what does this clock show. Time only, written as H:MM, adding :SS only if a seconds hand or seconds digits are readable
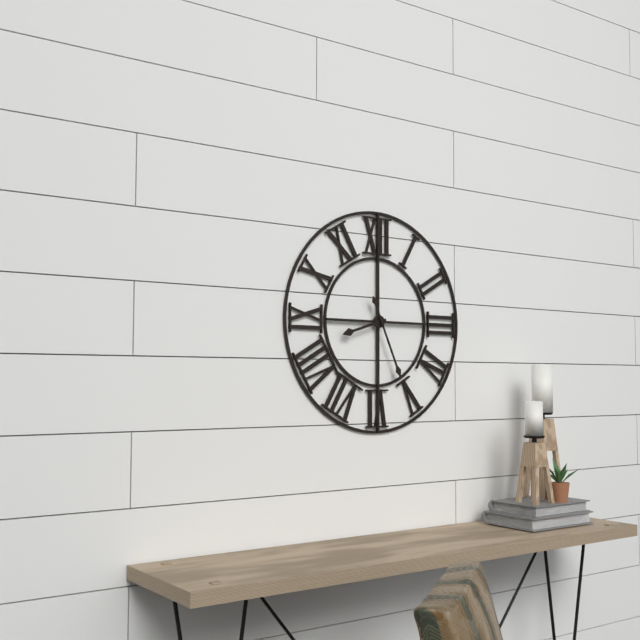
8:26
